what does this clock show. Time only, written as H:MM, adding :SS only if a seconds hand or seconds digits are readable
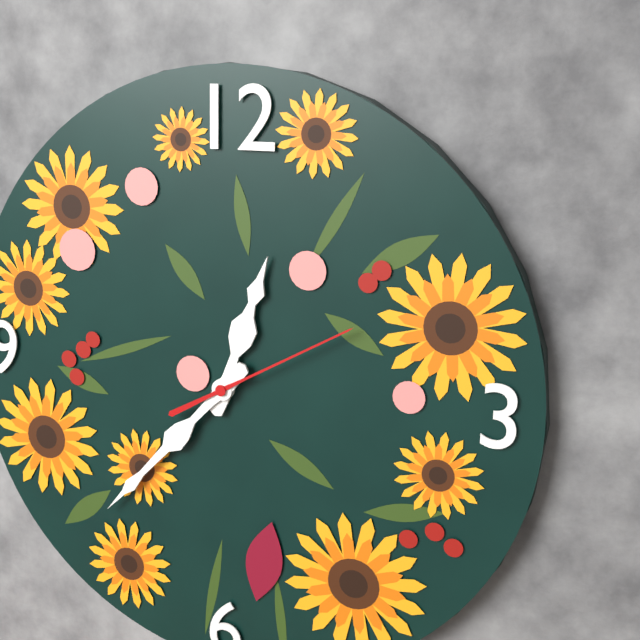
12:37:10
